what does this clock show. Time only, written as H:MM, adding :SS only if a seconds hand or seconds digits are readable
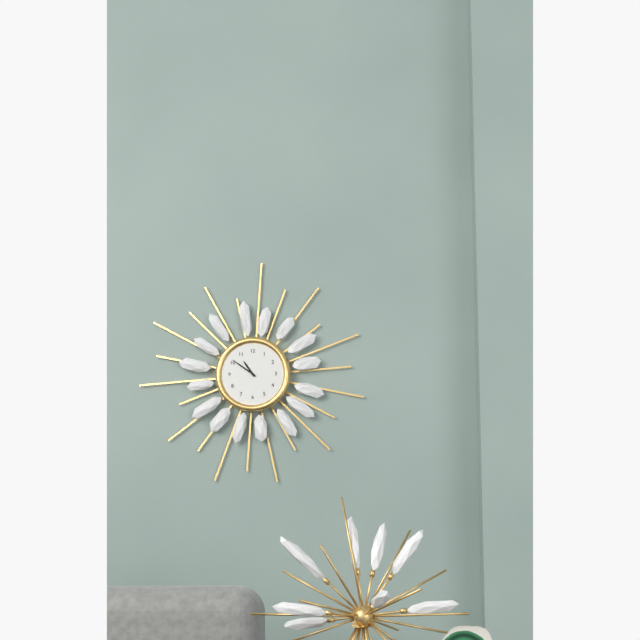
10:51
